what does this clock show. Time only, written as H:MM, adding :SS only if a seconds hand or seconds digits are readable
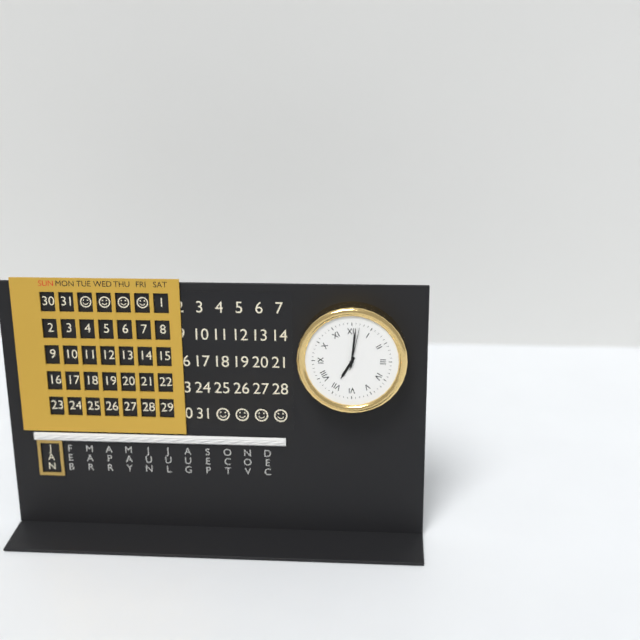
7:01
